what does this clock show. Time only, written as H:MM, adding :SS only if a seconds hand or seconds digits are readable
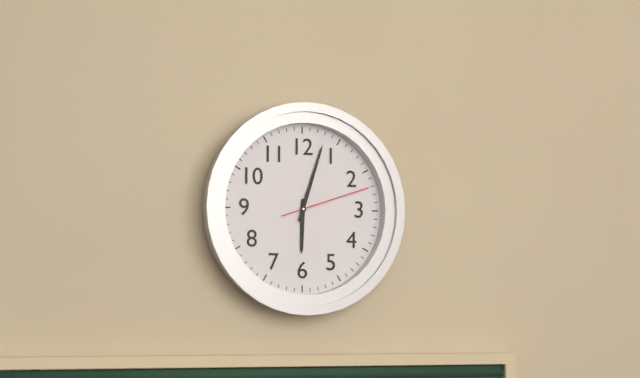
6:03:12
